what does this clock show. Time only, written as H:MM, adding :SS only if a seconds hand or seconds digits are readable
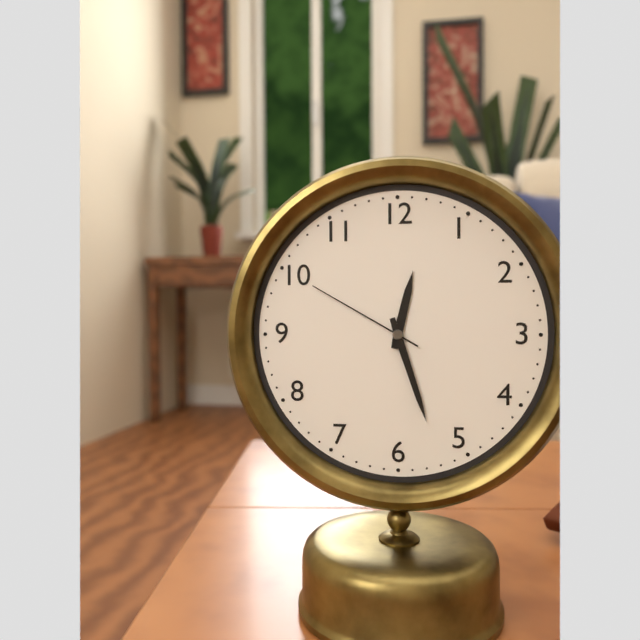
12:27:50
